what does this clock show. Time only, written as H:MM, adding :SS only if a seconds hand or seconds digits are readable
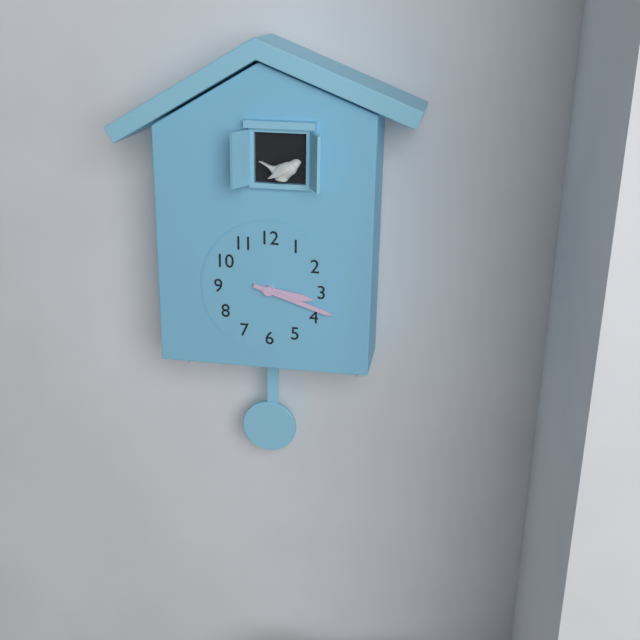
3:18
